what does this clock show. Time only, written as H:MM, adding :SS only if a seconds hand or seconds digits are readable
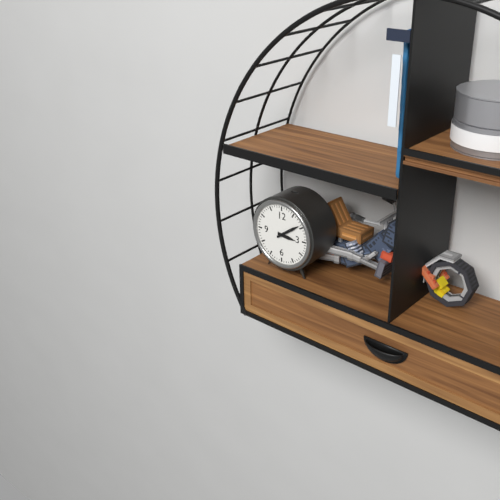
3:09
